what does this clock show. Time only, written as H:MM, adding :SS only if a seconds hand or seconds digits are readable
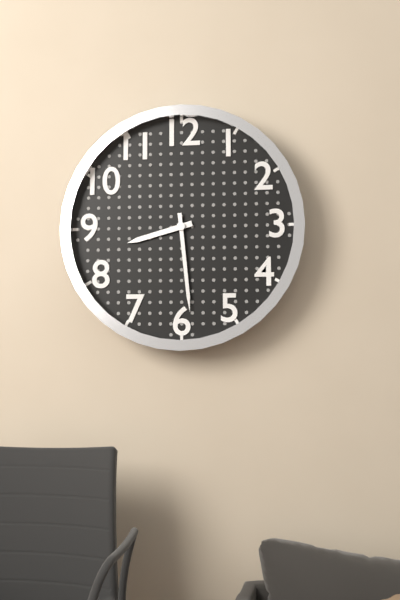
8:29
